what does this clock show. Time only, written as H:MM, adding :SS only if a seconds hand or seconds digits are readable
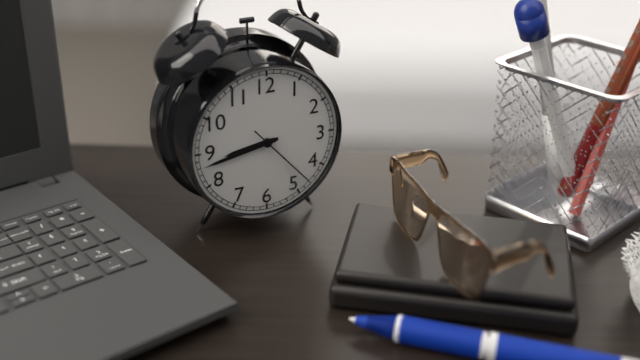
8:43:23
